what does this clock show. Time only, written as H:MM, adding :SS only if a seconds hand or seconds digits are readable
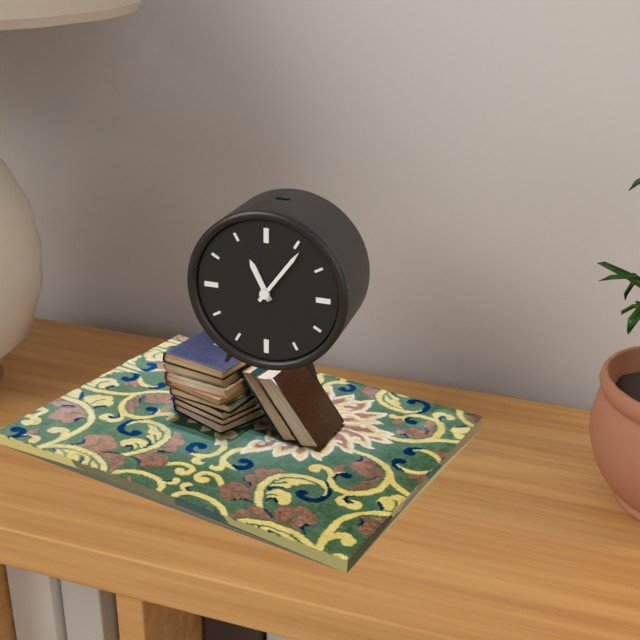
11:06
